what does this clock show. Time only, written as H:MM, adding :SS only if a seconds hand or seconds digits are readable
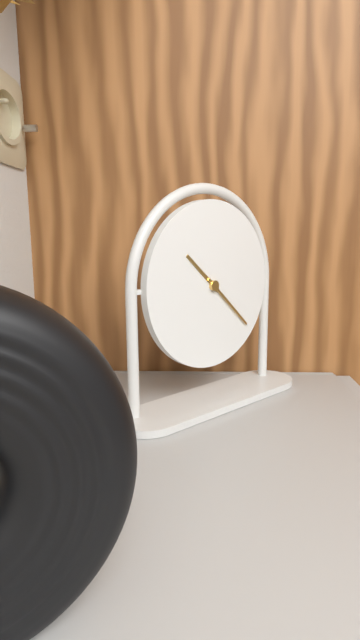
10:22
